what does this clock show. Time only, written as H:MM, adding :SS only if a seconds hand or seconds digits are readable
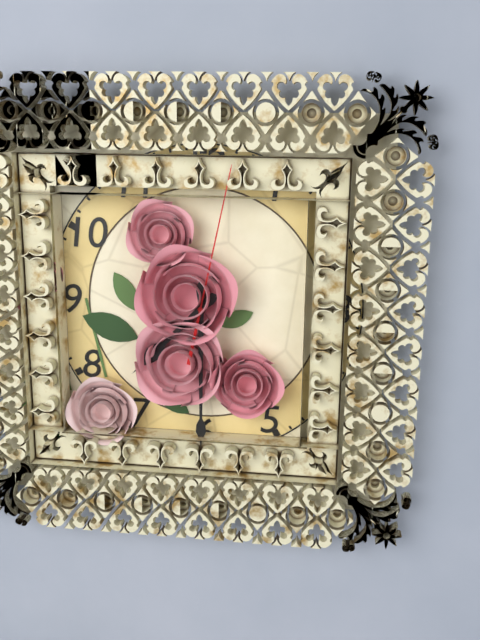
7:30:02
